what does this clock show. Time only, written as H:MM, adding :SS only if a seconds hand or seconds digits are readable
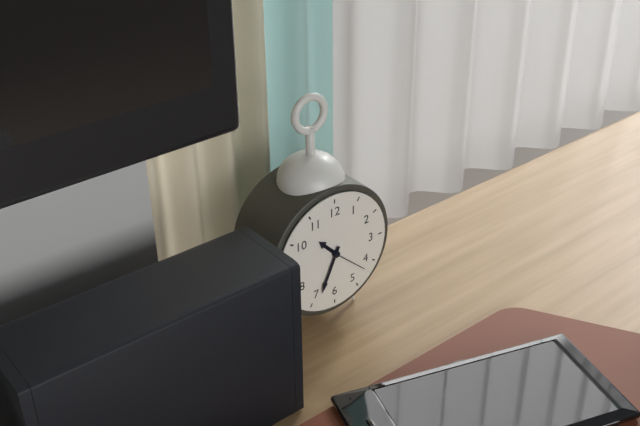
10:34
